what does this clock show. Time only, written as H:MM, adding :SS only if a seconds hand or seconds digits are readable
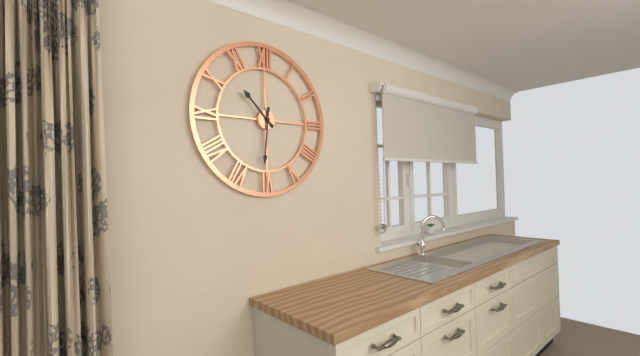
10:31
